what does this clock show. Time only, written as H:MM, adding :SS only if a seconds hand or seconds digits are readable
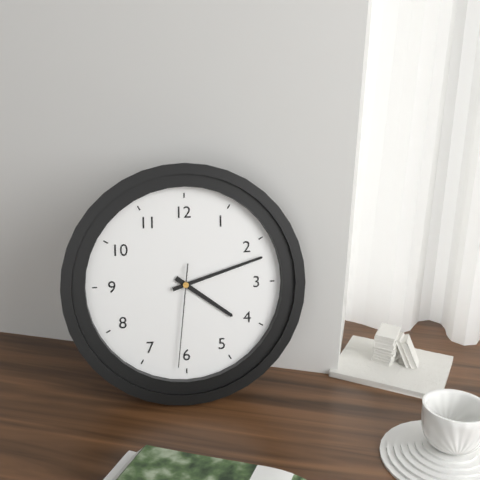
4:12:31
